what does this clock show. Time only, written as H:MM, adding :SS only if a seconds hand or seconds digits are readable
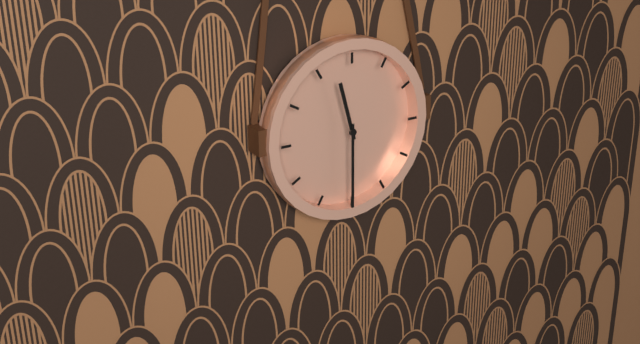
11:30
